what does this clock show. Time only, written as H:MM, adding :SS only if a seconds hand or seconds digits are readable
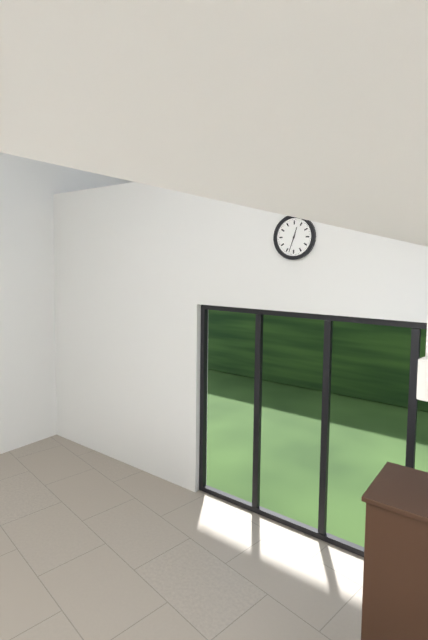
12:33
